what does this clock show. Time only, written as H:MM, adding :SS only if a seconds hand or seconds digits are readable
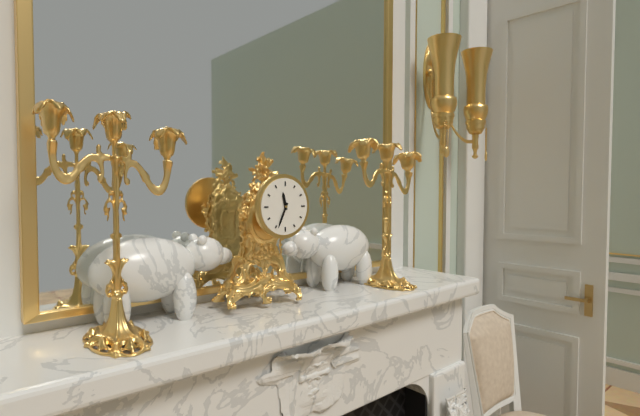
11:34
